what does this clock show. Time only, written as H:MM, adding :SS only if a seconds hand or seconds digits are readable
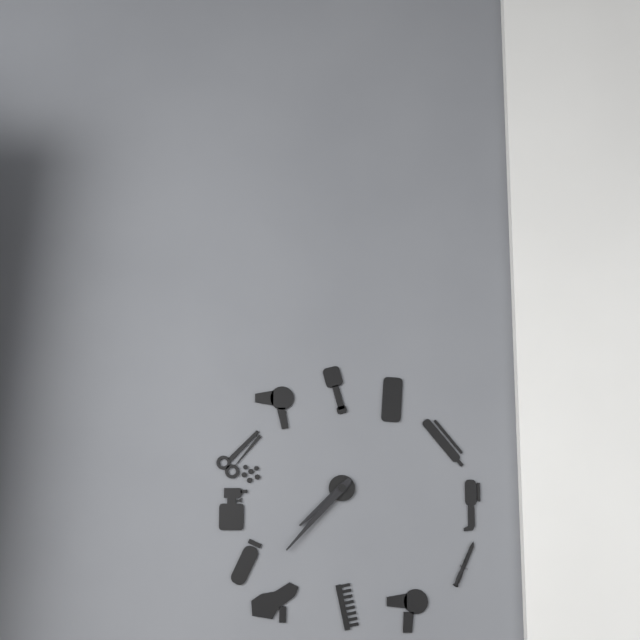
7:37
